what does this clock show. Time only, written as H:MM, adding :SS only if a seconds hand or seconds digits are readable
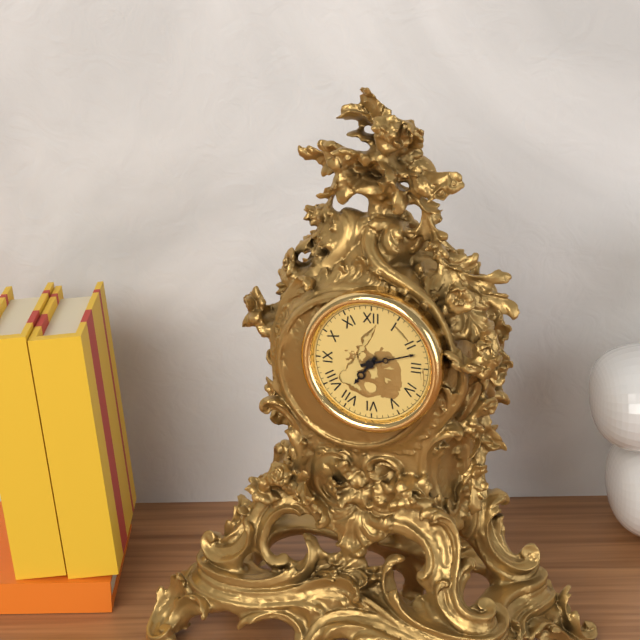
7:12
